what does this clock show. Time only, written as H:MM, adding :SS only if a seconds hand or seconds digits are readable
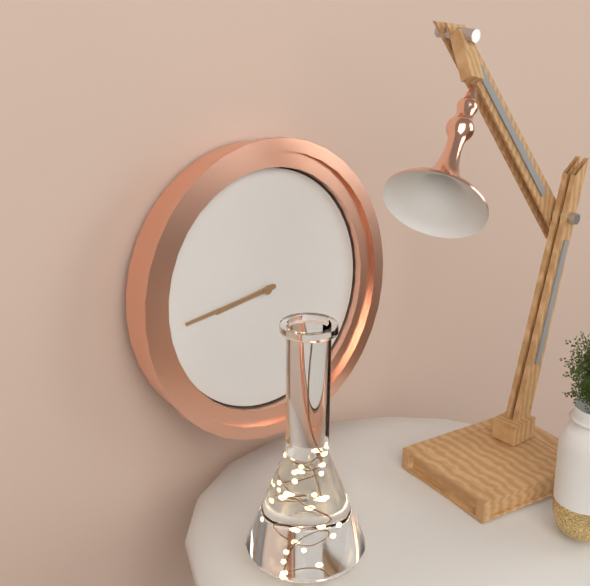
8:44
